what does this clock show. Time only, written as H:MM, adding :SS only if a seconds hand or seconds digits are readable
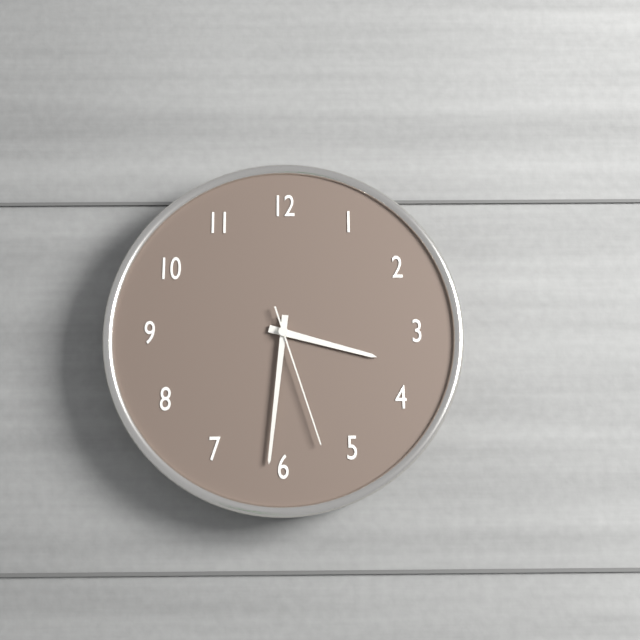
3:31:27
